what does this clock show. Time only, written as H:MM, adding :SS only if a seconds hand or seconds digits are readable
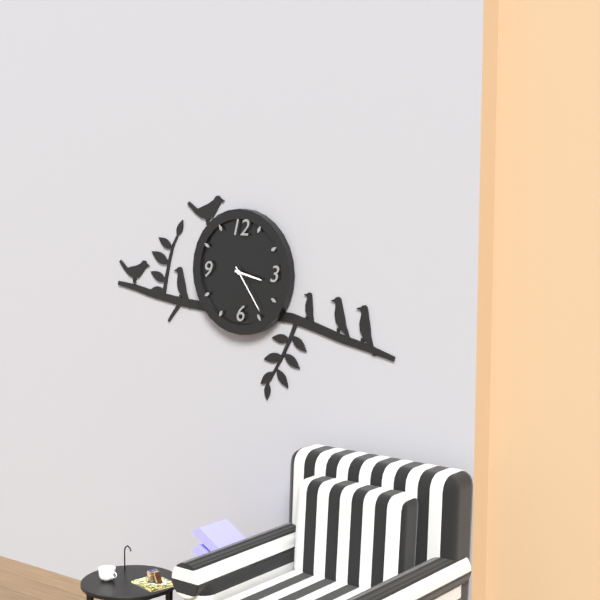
3:24
